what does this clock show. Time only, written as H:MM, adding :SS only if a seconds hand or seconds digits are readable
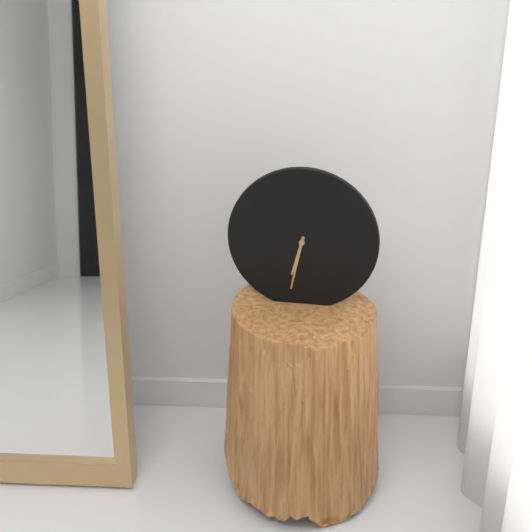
6:32
